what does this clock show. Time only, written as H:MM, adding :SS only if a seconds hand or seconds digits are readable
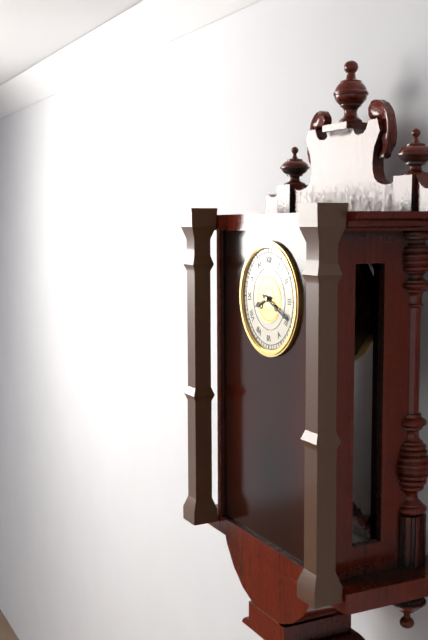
8:19
